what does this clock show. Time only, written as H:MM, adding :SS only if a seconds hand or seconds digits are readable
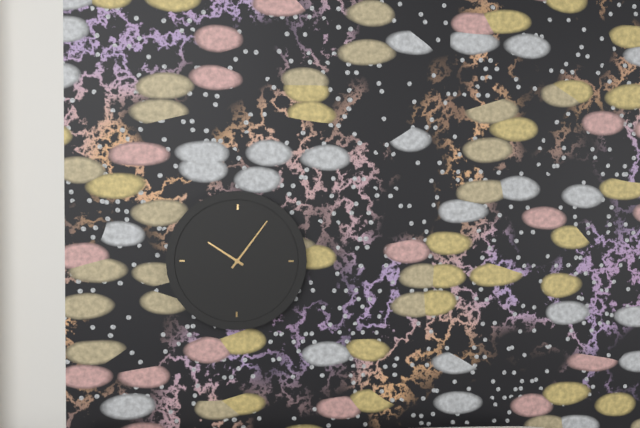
10:06
